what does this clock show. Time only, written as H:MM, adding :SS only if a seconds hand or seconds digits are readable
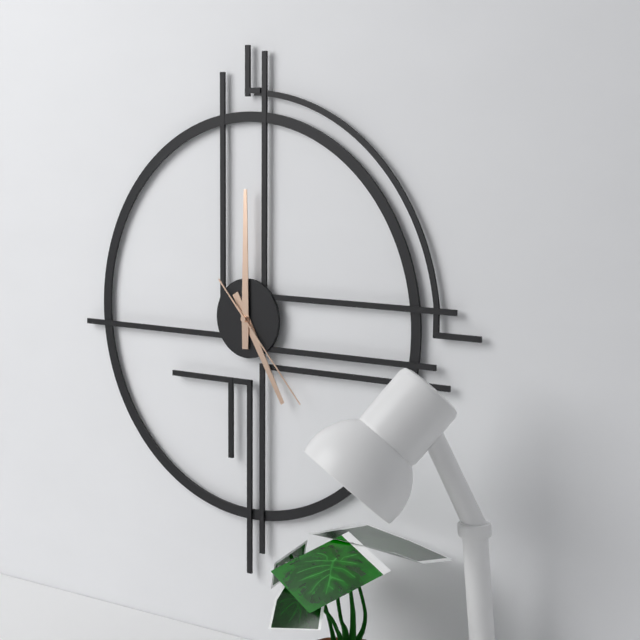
5:00:23
